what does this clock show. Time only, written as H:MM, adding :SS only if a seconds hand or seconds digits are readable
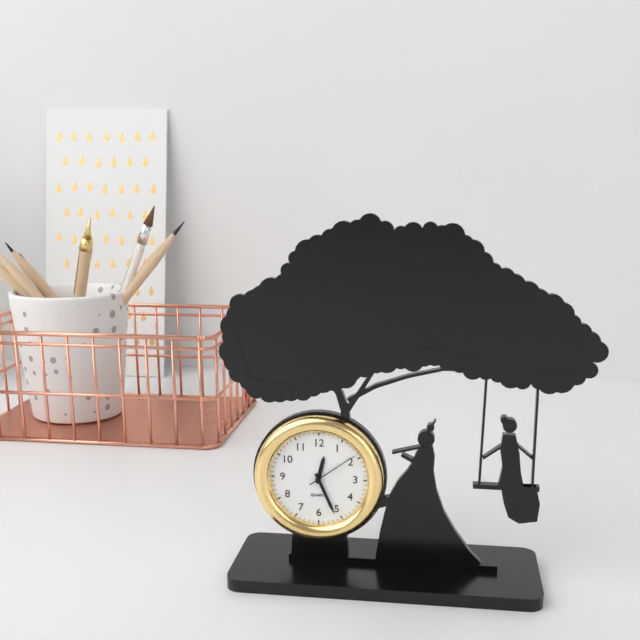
12:26:09
